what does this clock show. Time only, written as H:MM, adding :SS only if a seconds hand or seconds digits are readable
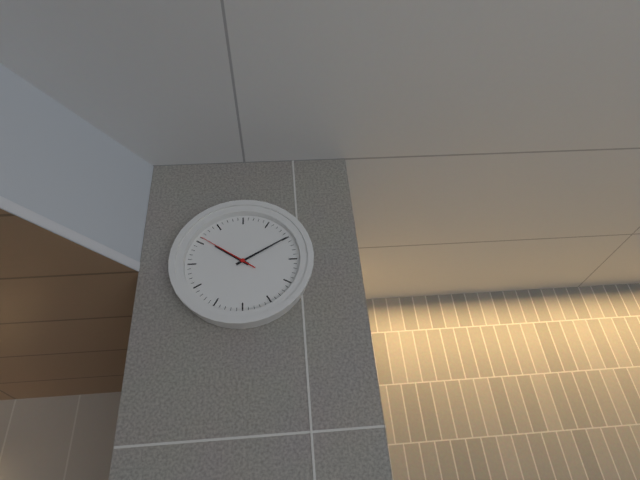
10:10:51
